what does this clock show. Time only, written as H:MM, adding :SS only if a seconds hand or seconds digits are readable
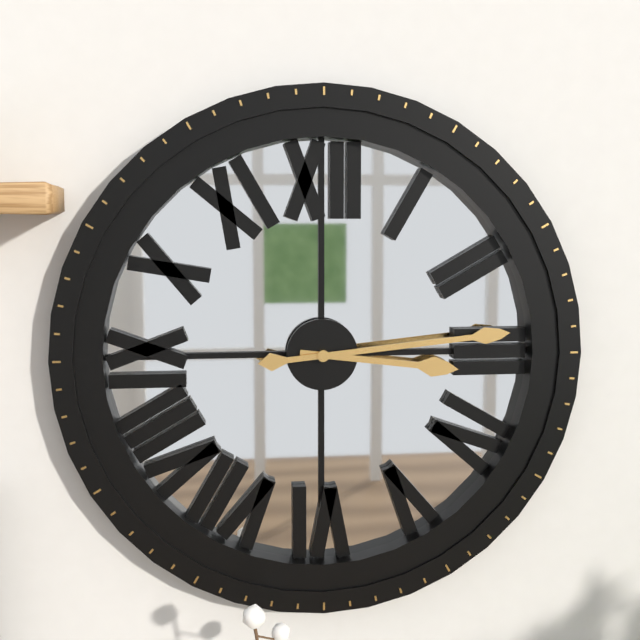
3:14
